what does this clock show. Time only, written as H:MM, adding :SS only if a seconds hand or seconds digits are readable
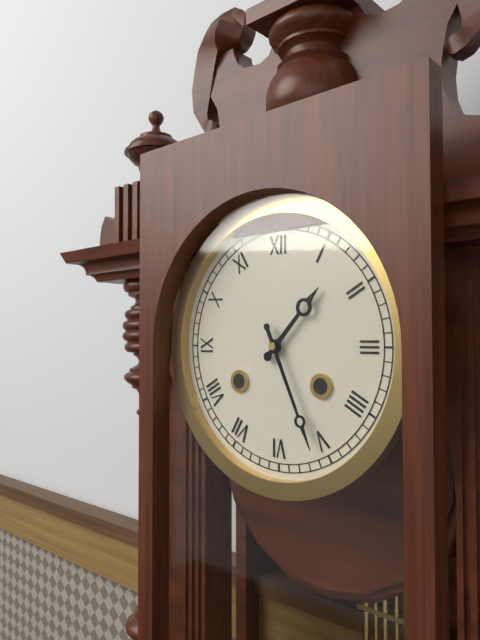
1:26
